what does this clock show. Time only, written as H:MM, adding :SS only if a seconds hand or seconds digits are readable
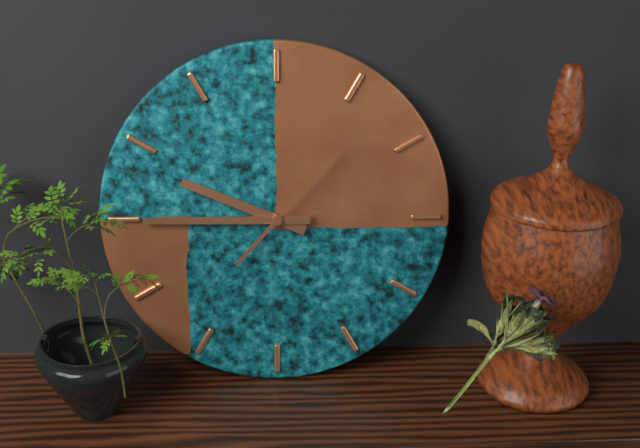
9:45:07
